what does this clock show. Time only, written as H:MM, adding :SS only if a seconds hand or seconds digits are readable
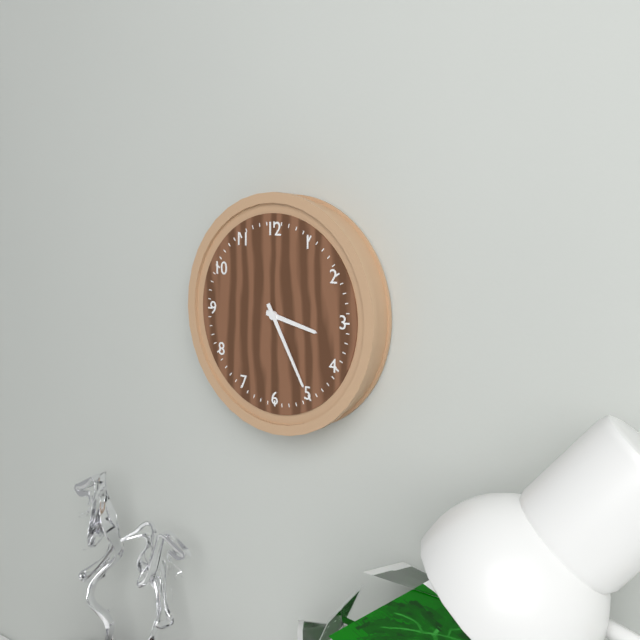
3:25
